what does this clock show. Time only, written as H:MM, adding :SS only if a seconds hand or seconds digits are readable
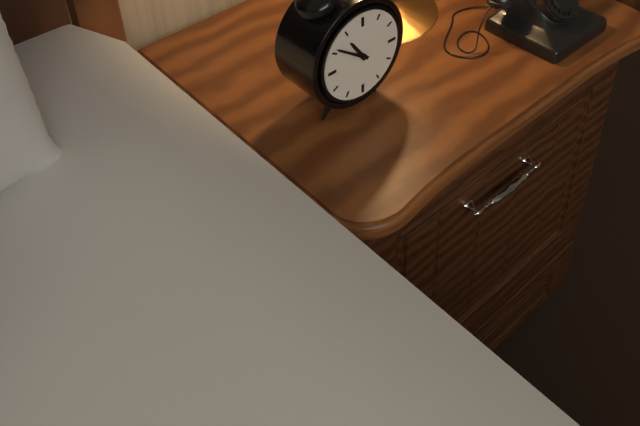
10:51
